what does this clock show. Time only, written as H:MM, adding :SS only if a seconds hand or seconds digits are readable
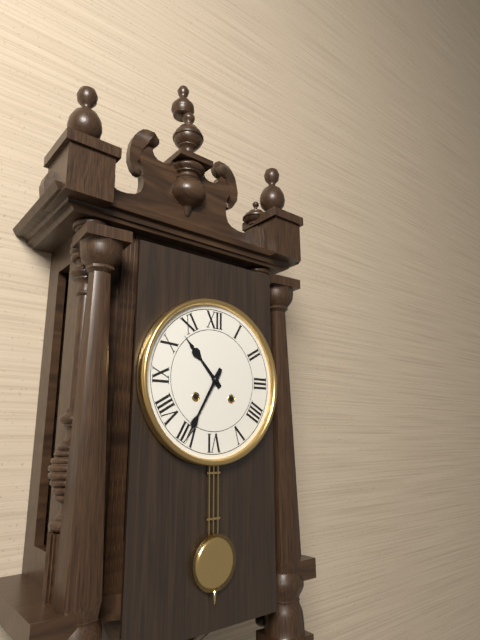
10:35
